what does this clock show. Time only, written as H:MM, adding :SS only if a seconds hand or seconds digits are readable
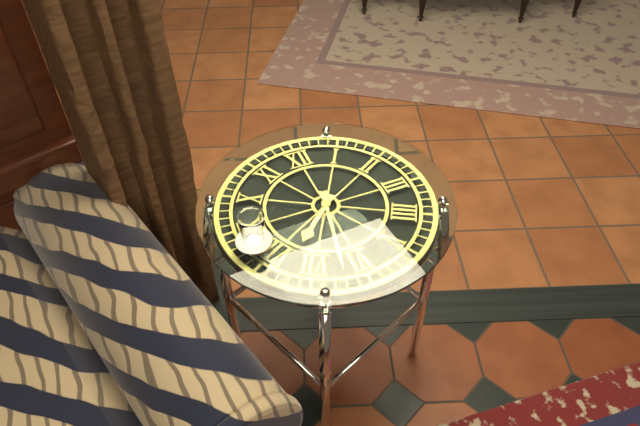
7:32
